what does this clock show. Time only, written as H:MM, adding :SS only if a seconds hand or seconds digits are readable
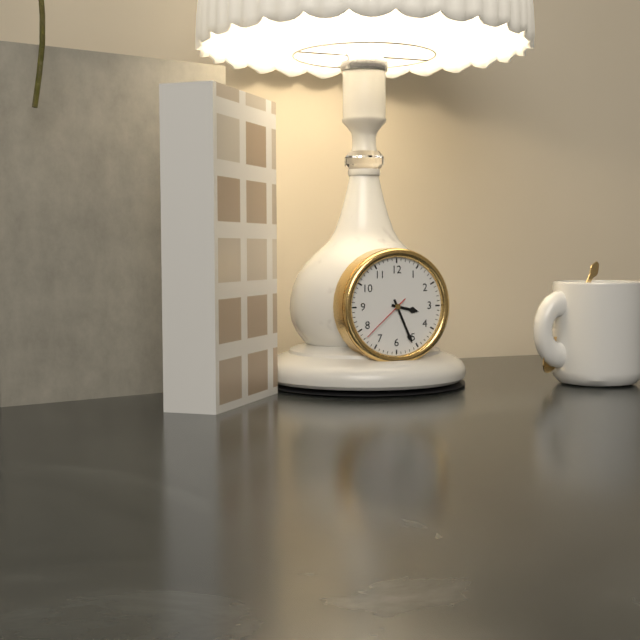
3:26:38
